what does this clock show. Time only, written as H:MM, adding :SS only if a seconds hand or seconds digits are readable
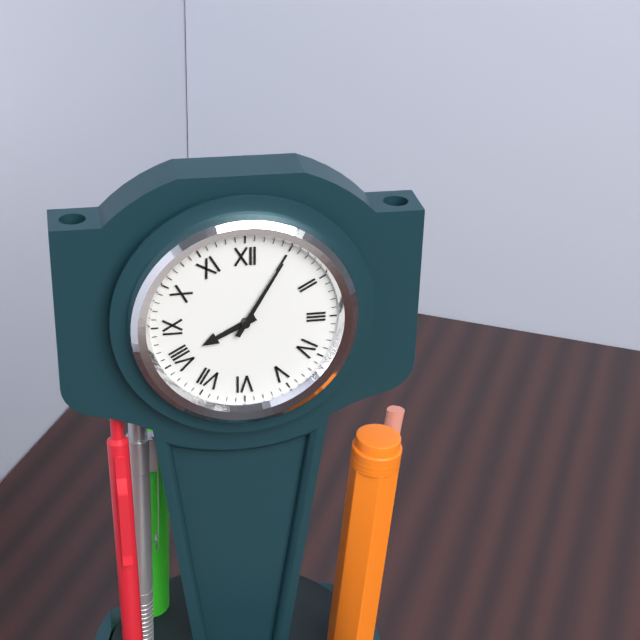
8:05
